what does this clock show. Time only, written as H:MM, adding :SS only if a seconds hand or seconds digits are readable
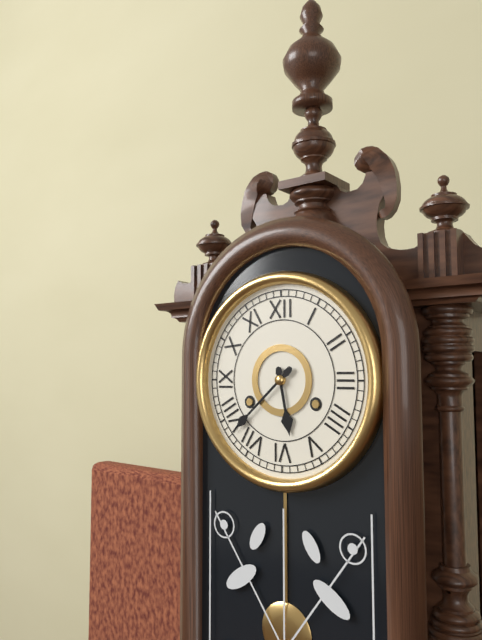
5:38
